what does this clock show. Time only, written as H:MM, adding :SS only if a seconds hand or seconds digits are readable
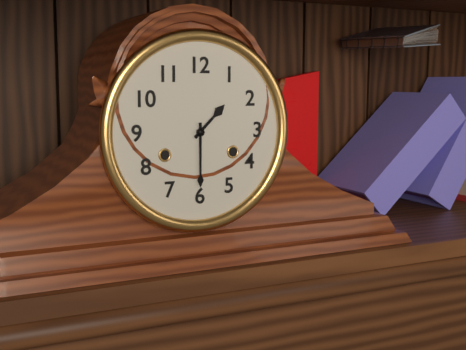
1:30
